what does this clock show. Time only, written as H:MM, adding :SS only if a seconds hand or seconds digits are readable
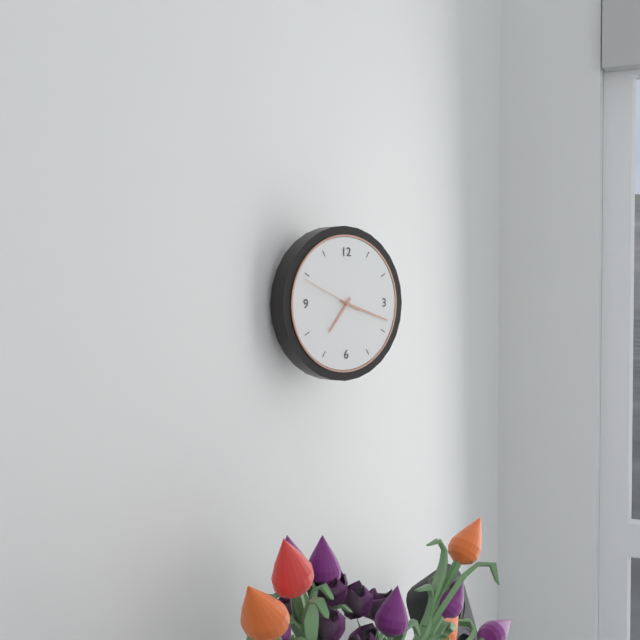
7:18:49
